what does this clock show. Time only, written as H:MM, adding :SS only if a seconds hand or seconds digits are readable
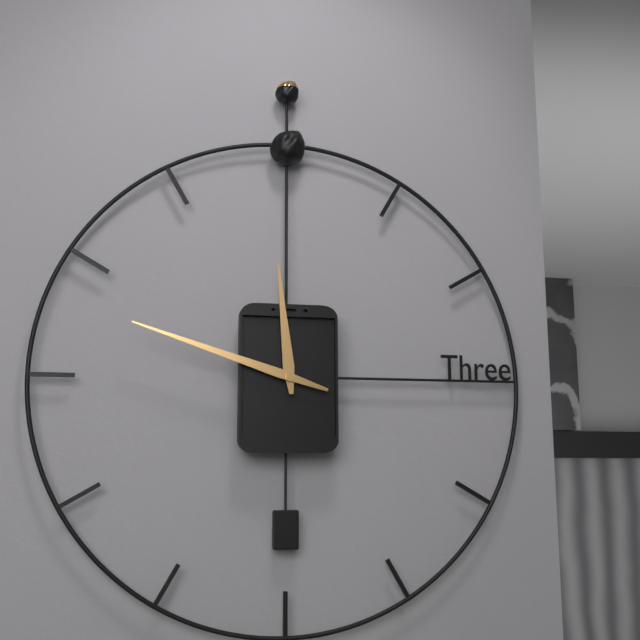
11:48
